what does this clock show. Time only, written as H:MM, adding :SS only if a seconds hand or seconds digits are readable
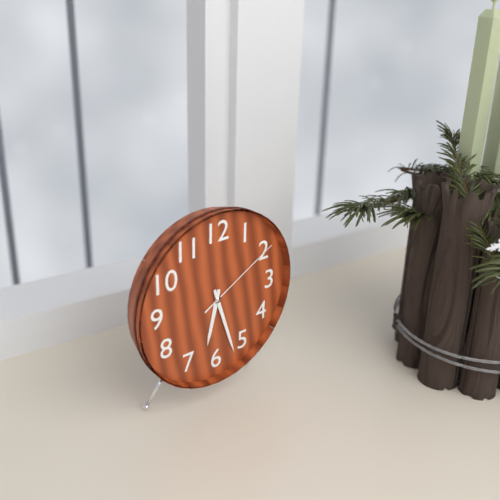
6:27:10
